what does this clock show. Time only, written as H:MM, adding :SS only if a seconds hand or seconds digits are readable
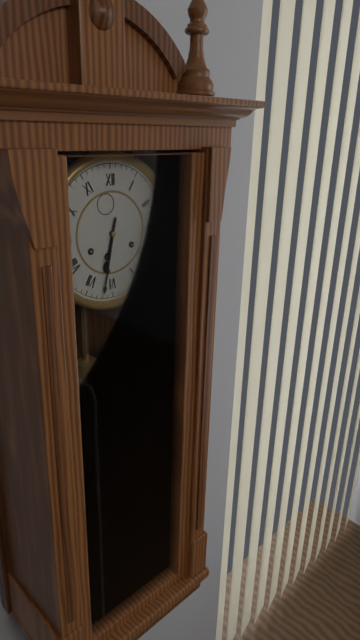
6:32
